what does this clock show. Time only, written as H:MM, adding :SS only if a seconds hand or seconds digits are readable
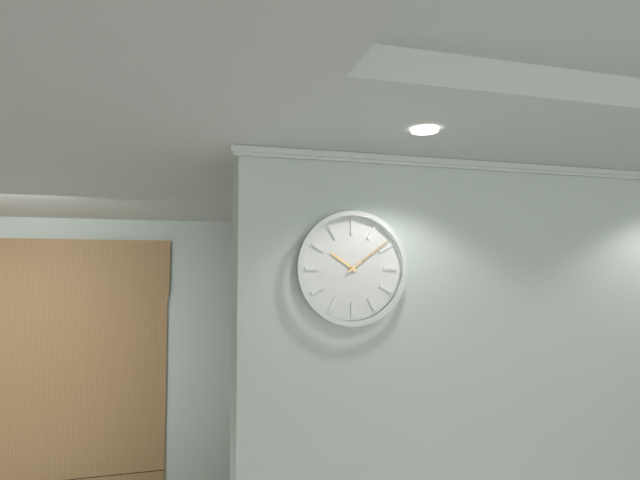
10:09
